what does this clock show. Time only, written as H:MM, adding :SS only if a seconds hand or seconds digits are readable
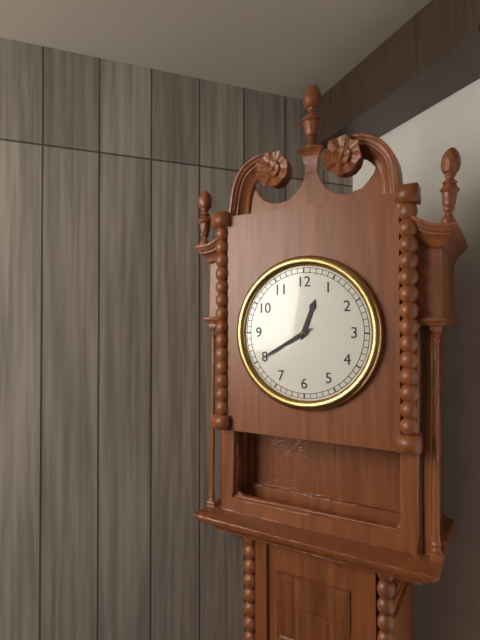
12:40
